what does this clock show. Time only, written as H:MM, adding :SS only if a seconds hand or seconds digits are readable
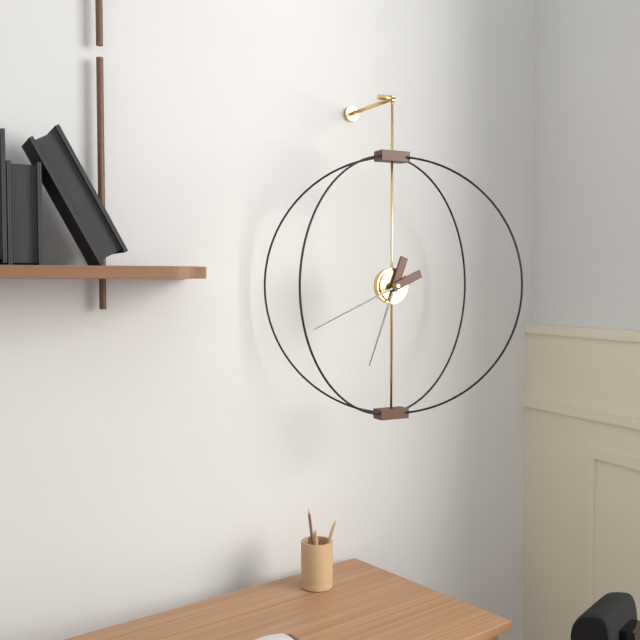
6:41
